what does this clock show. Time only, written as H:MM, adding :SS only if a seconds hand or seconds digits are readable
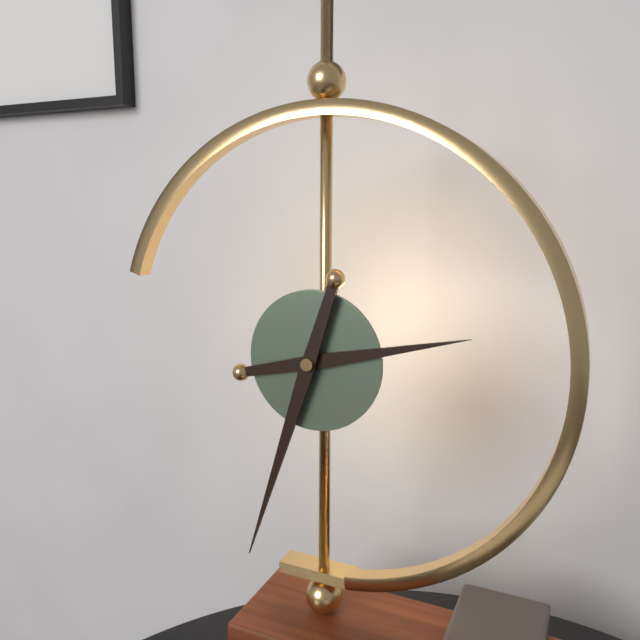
2:33
